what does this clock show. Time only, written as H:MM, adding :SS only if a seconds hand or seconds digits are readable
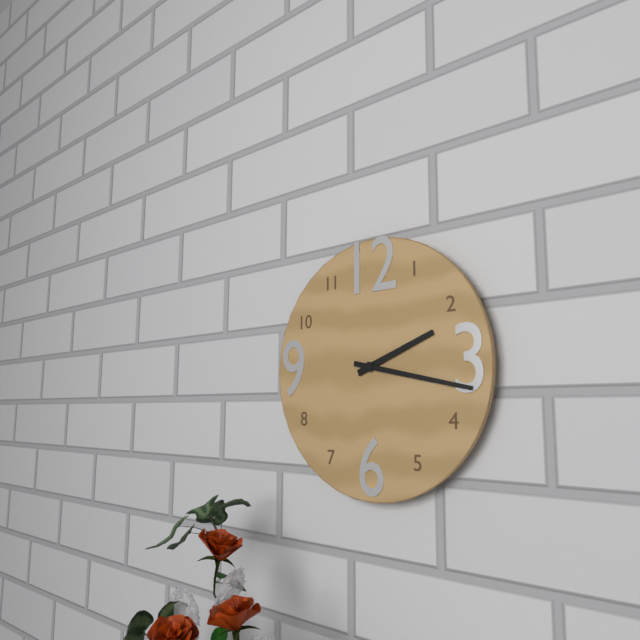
2:17
